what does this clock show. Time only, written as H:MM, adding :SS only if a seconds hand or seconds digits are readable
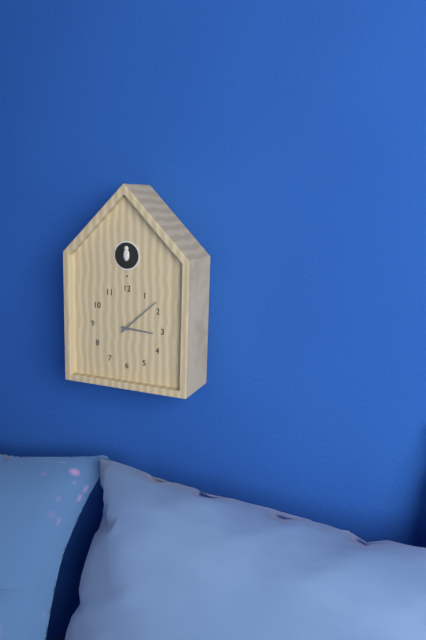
3:08
